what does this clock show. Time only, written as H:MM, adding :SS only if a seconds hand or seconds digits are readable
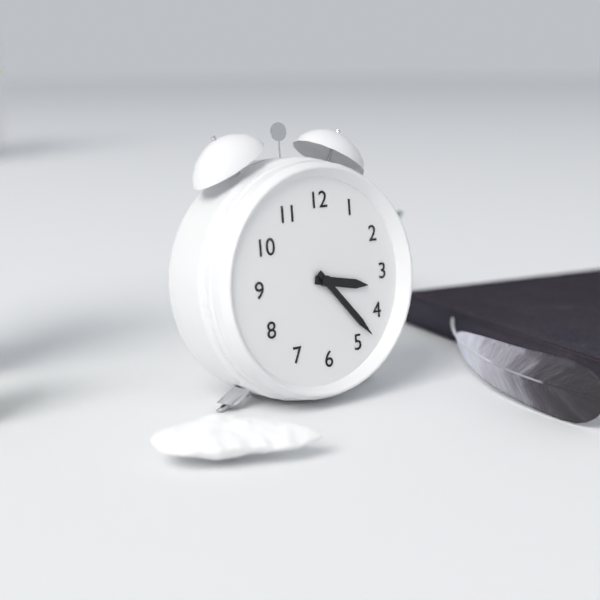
3:23
